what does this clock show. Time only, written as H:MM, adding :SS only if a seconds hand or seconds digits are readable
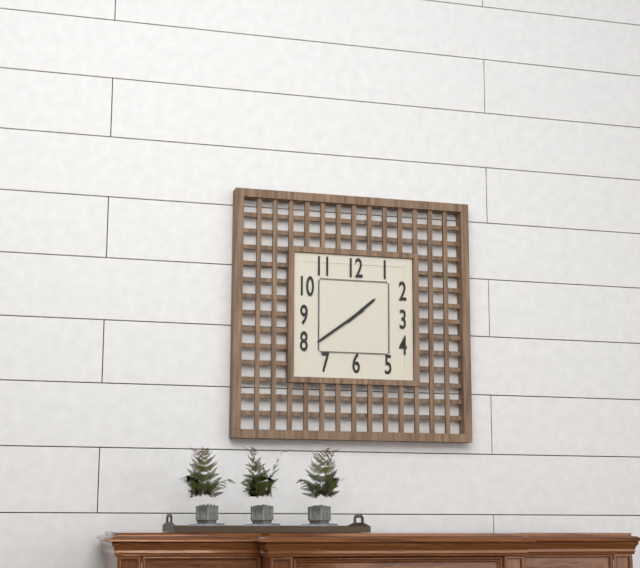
1:39
